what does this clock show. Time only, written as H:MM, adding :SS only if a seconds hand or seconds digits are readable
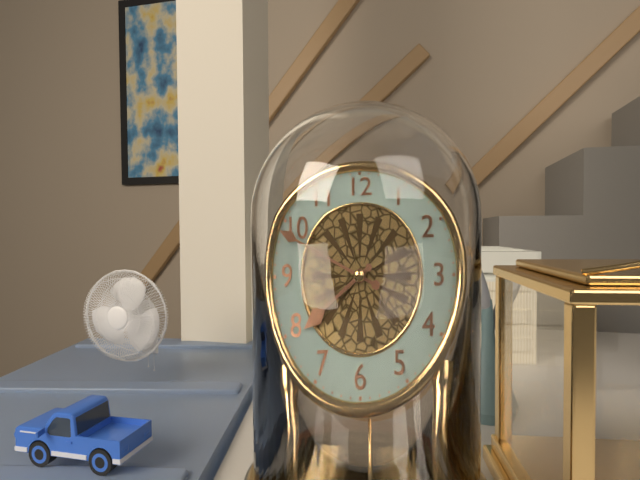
7:49
